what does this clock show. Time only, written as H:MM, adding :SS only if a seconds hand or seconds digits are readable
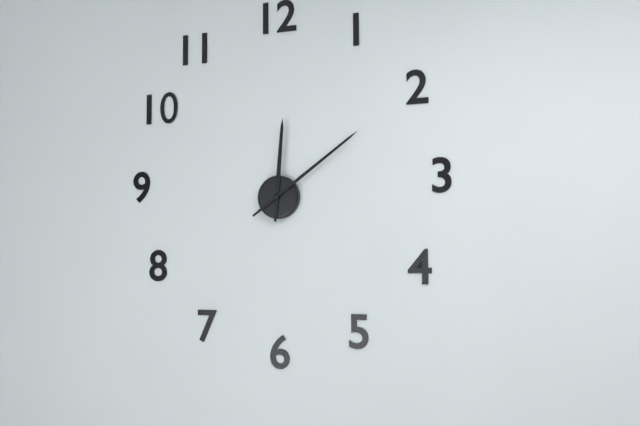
12:09
